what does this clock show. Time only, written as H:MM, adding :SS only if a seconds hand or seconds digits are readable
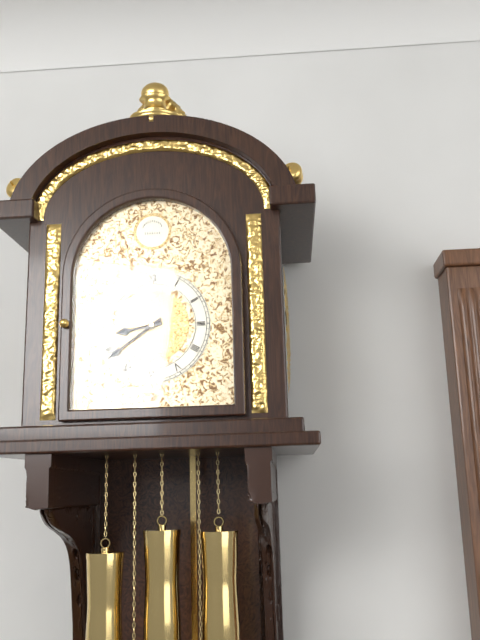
8:39
